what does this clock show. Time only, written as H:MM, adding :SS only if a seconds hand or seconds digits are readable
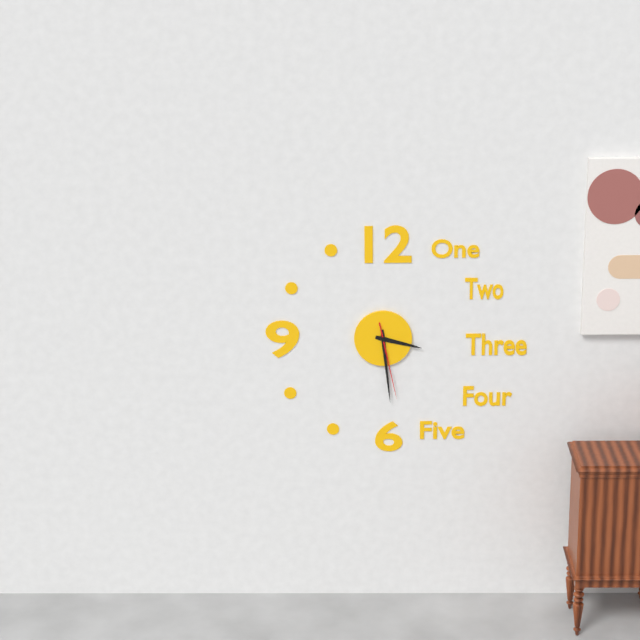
3:29:28
